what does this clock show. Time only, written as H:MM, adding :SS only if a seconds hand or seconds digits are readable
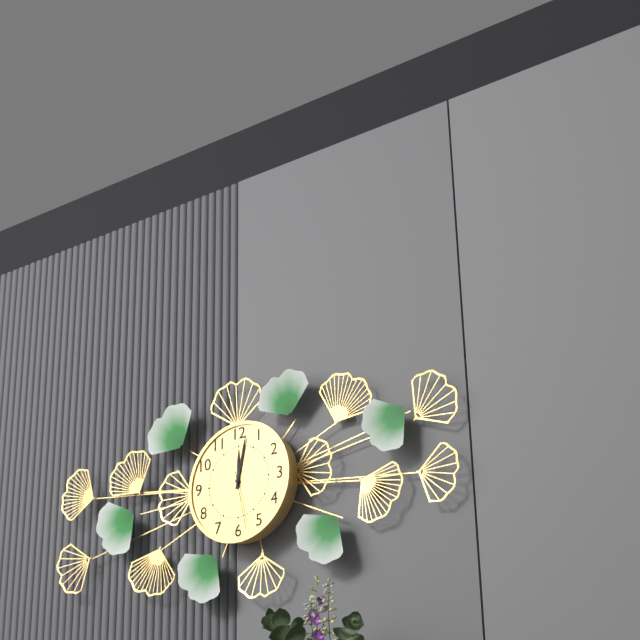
12:02:28
